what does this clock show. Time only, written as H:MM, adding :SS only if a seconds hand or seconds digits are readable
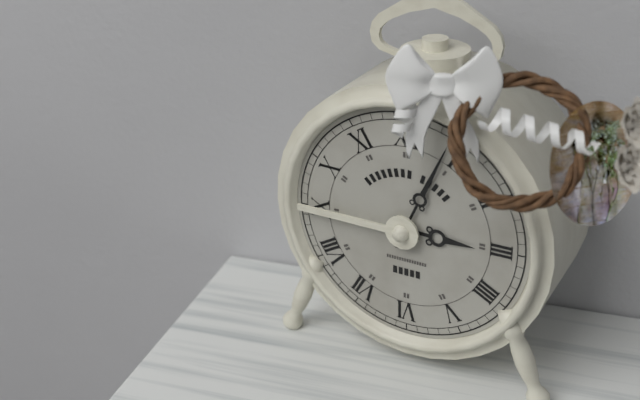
3:04
